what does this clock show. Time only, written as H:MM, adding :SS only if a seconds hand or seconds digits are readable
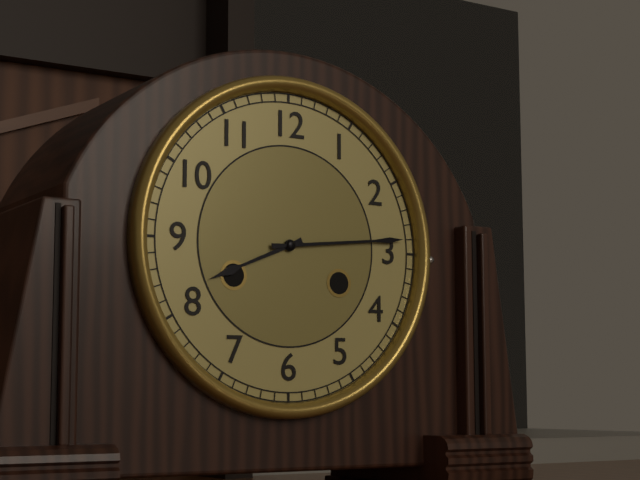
8:14
